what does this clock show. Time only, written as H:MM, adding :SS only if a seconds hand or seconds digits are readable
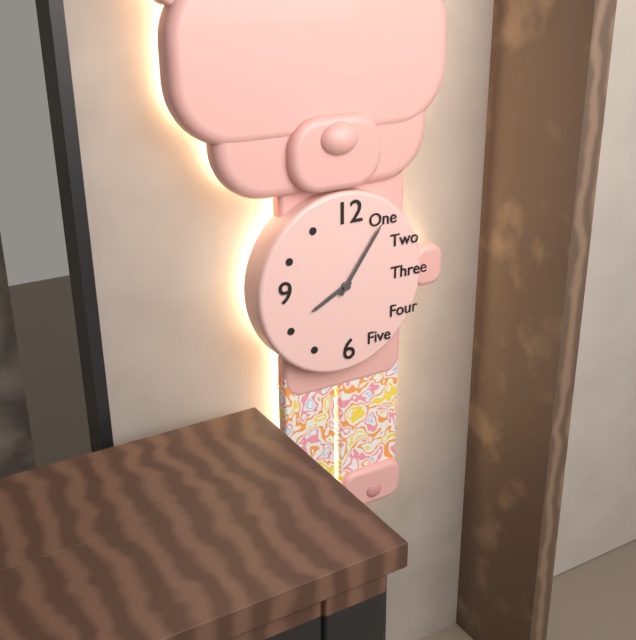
8:06
